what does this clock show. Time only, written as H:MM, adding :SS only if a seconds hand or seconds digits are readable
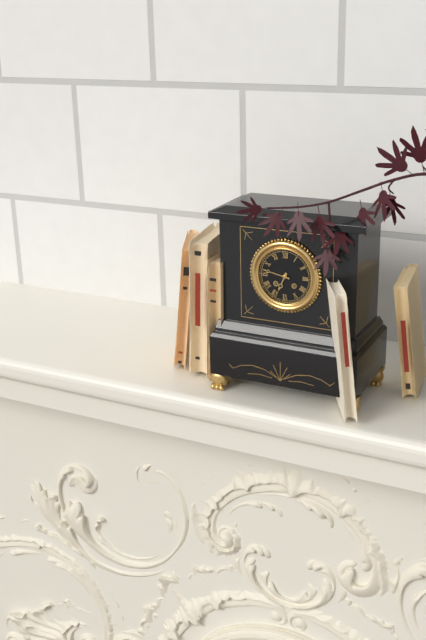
6:47
